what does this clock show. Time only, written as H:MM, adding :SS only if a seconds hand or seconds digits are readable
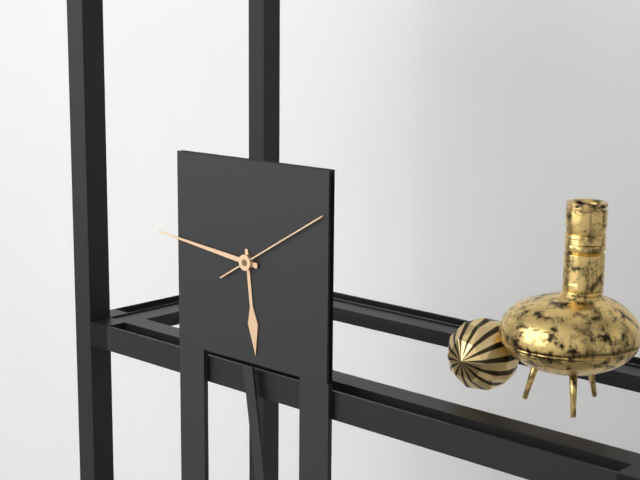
5:46:10
